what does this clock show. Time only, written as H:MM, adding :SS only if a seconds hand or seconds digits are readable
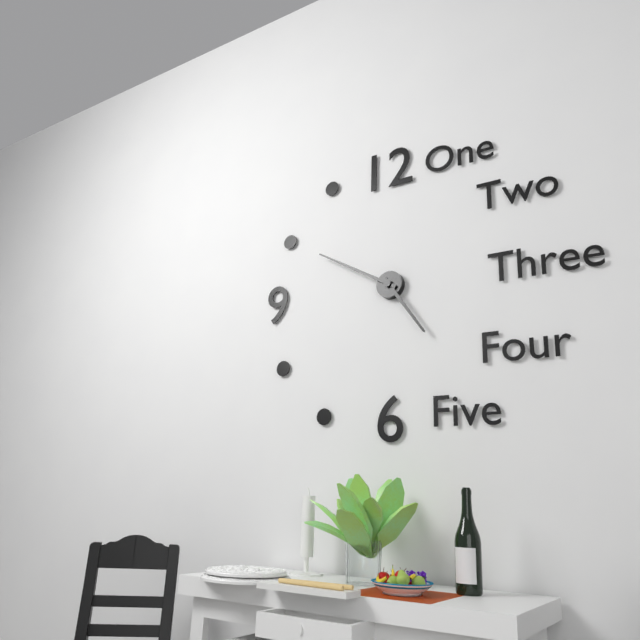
4:50
